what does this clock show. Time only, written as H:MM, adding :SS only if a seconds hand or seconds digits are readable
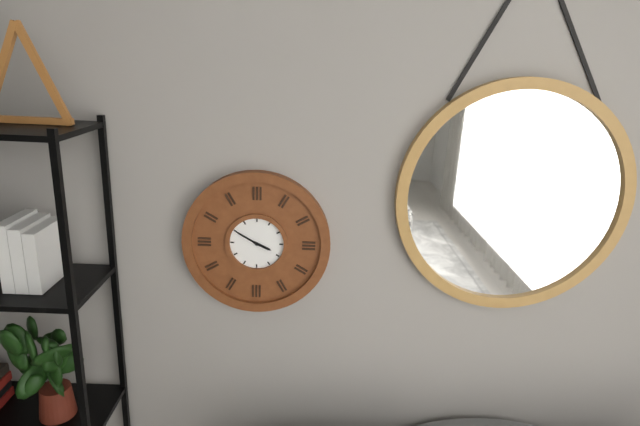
3:50
